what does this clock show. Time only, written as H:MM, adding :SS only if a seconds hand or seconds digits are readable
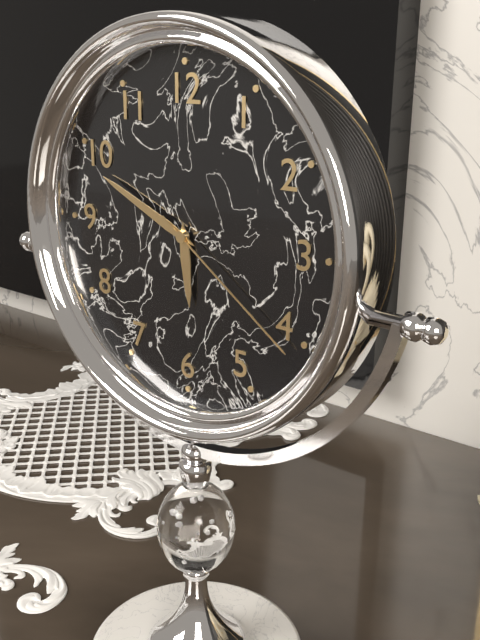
5:49:21
